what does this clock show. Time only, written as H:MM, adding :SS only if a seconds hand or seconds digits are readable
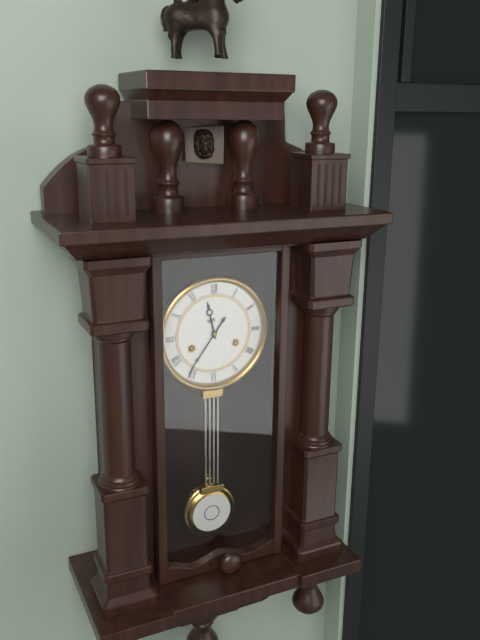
11:36
